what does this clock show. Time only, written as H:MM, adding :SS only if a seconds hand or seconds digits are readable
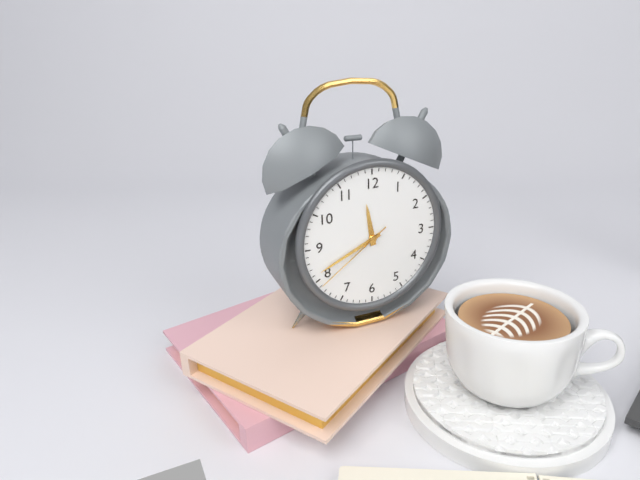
11:41:39
